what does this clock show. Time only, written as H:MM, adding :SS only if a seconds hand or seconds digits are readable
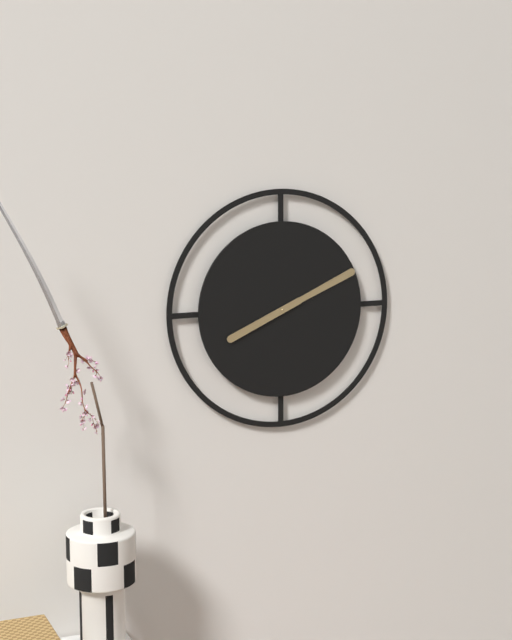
8:11
